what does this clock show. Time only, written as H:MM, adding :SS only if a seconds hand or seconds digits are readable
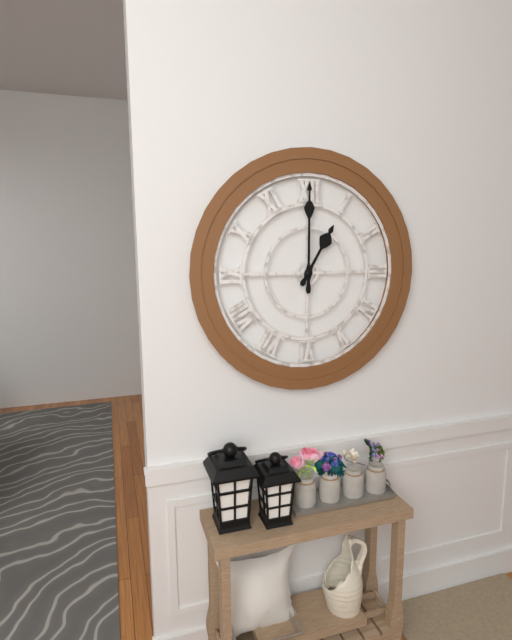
1:00
